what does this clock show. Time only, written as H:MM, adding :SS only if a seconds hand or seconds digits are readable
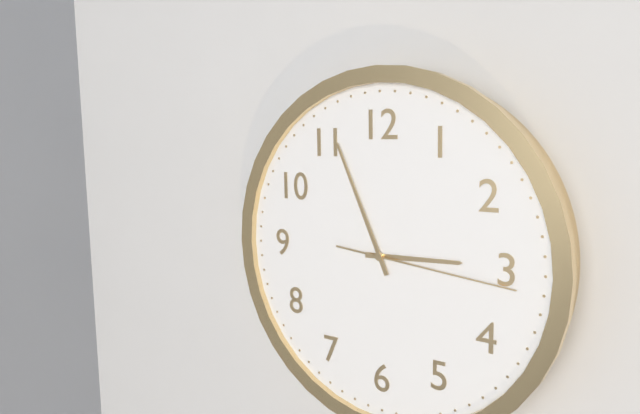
2:56:16
